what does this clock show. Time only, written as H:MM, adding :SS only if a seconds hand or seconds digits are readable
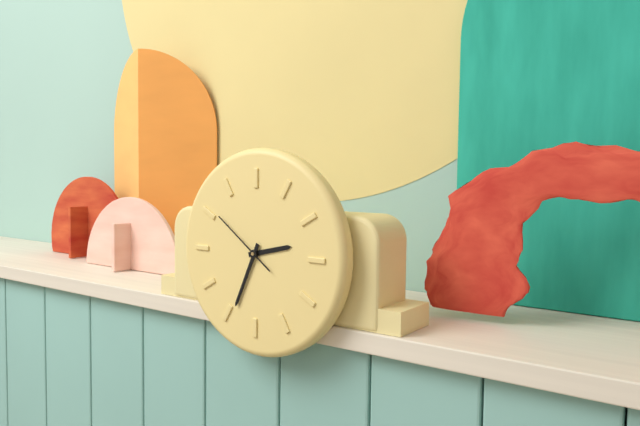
2:34:51
